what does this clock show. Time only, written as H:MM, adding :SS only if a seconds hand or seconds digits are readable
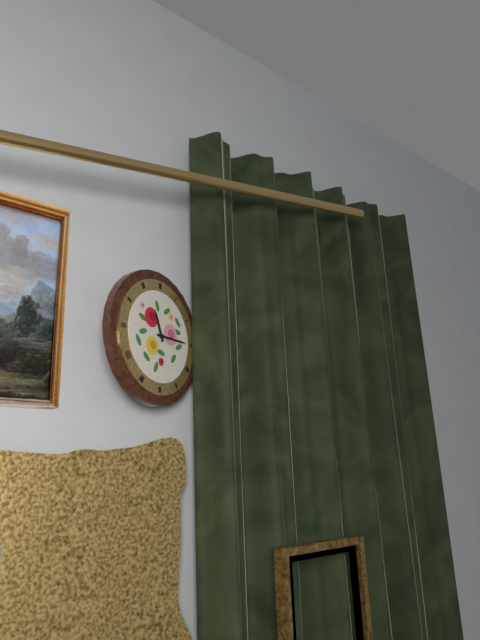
11:15
